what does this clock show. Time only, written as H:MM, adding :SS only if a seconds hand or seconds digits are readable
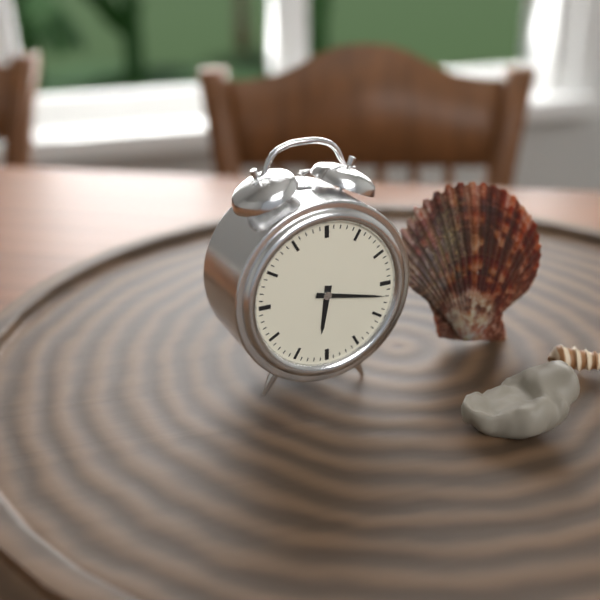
6:17
